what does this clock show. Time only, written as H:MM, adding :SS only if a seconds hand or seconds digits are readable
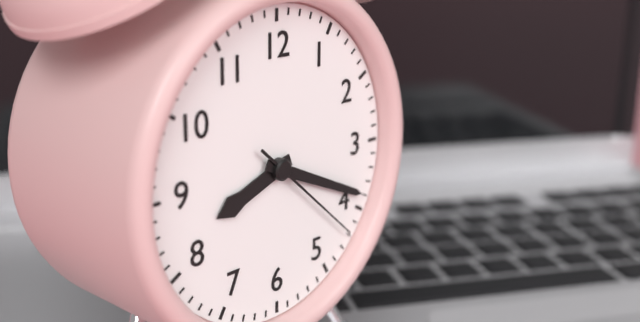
8:19:22
